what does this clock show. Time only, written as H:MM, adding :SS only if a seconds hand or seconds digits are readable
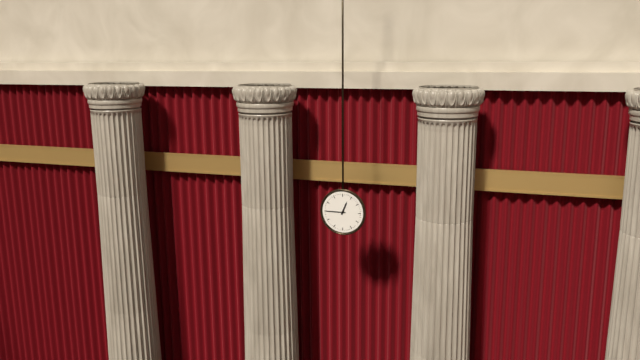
12:45
